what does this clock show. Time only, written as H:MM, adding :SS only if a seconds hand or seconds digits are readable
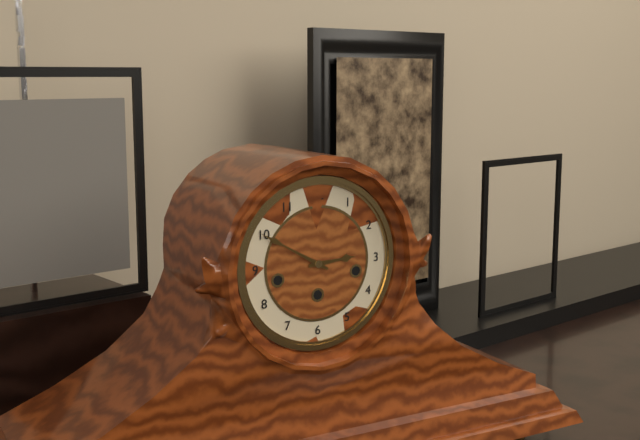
2:50
